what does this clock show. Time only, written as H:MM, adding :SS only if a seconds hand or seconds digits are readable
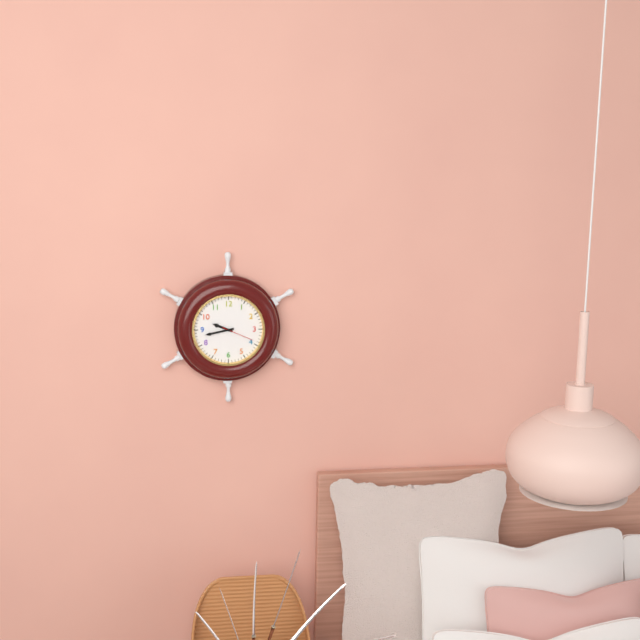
9:43
